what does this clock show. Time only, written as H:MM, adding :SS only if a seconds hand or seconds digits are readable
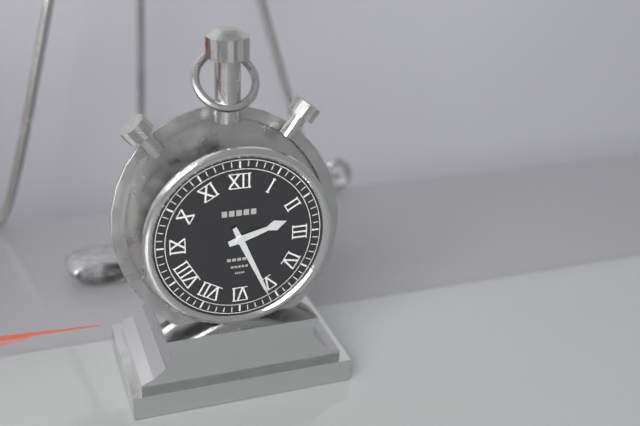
2:26
